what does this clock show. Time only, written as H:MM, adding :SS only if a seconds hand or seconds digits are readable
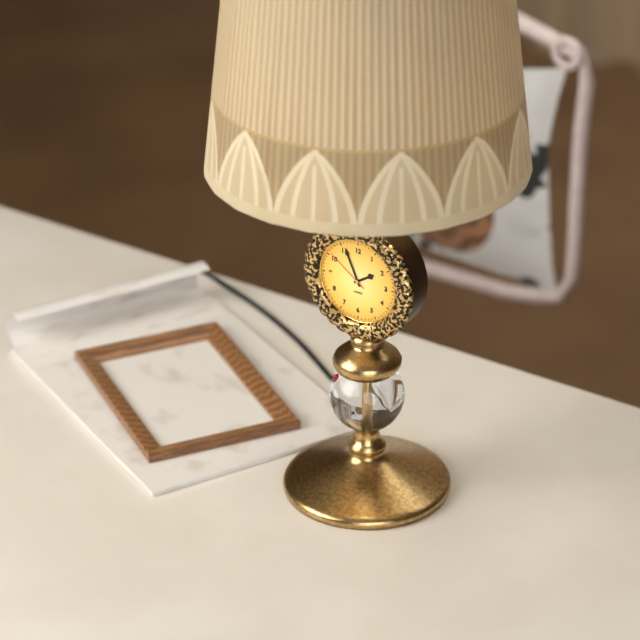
1:56
